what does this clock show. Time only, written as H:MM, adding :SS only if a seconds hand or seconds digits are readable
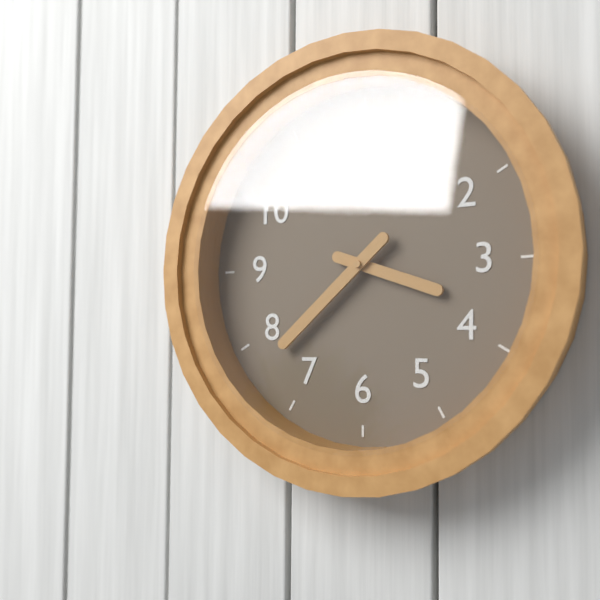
3:38
